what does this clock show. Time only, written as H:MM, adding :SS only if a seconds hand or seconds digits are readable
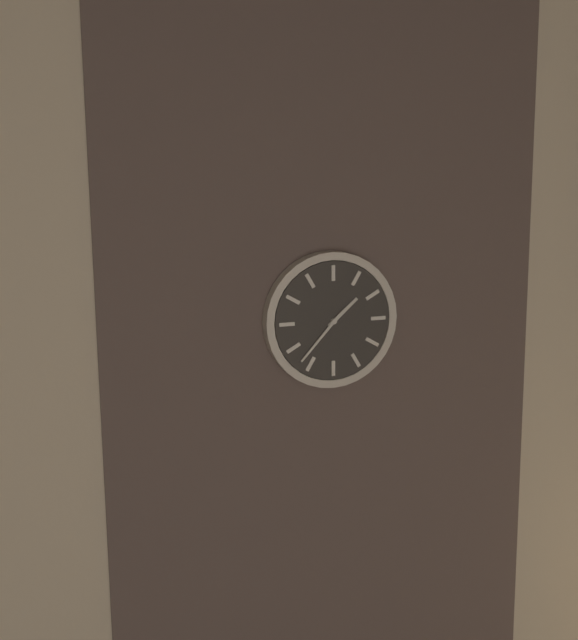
1:37
